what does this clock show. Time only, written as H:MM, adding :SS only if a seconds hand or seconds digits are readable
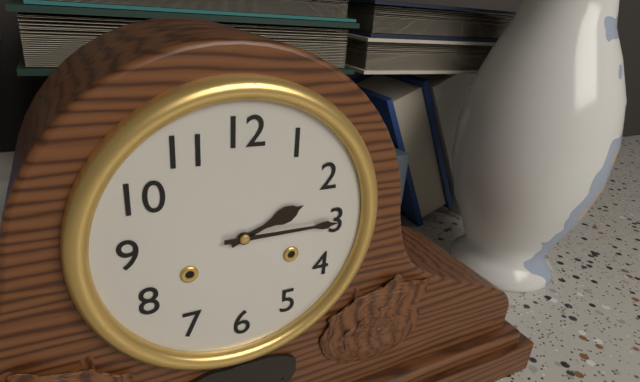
2:15
